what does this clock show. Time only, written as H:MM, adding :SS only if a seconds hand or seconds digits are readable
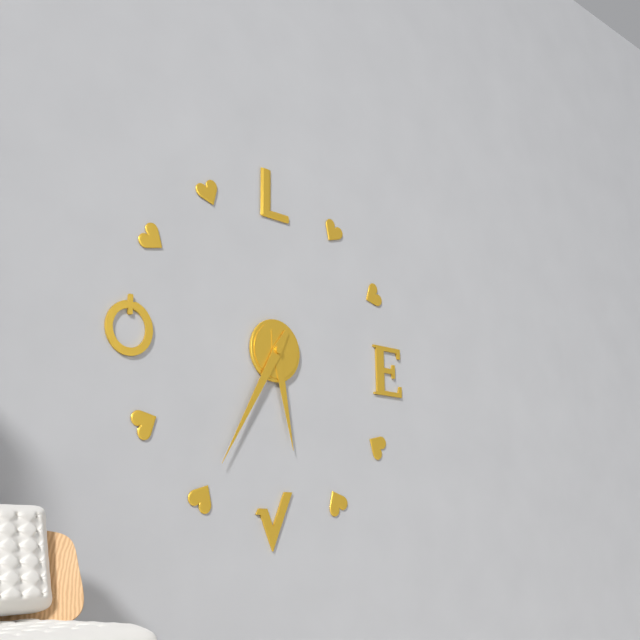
5:35
